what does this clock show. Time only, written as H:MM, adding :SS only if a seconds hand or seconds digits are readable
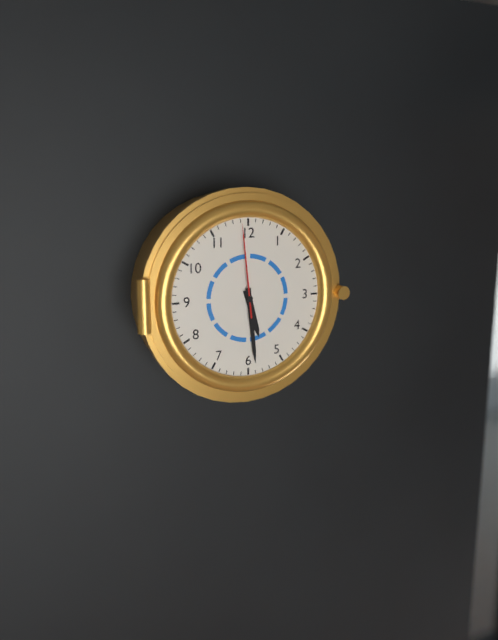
5:29:59
